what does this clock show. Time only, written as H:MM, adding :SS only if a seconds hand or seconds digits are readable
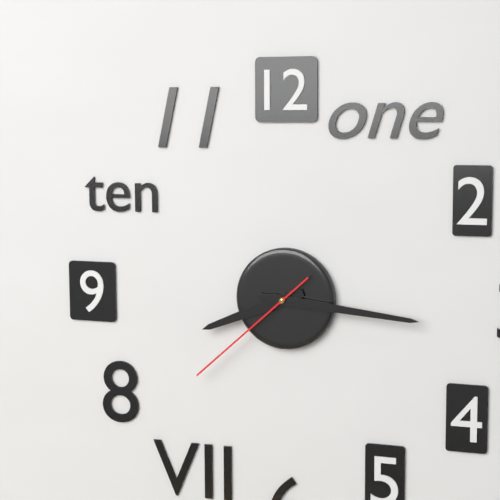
8:16:38
